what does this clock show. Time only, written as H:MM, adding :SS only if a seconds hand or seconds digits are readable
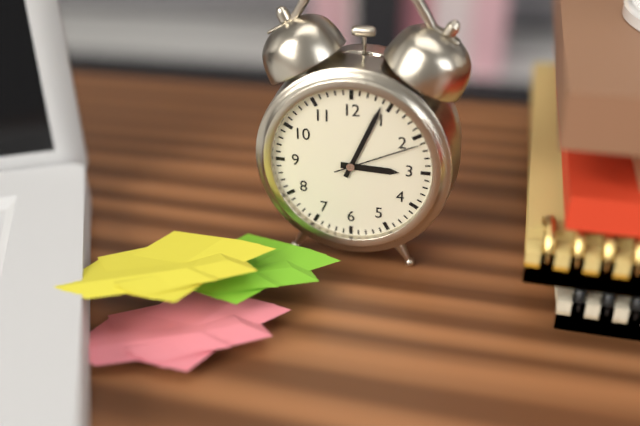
3:04:11
